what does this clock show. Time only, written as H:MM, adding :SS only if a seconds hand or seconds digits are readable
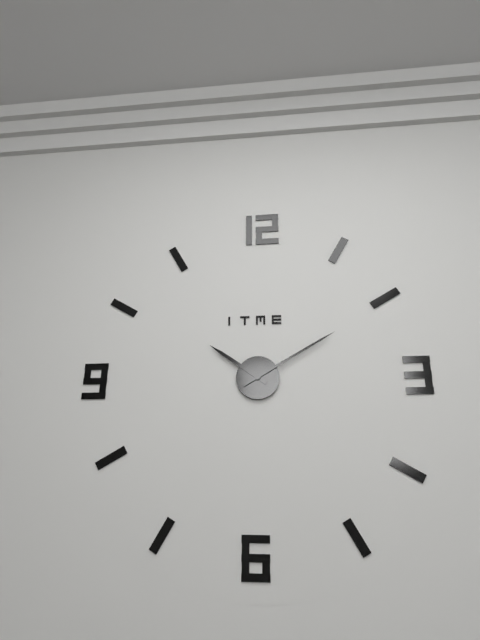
10:10
